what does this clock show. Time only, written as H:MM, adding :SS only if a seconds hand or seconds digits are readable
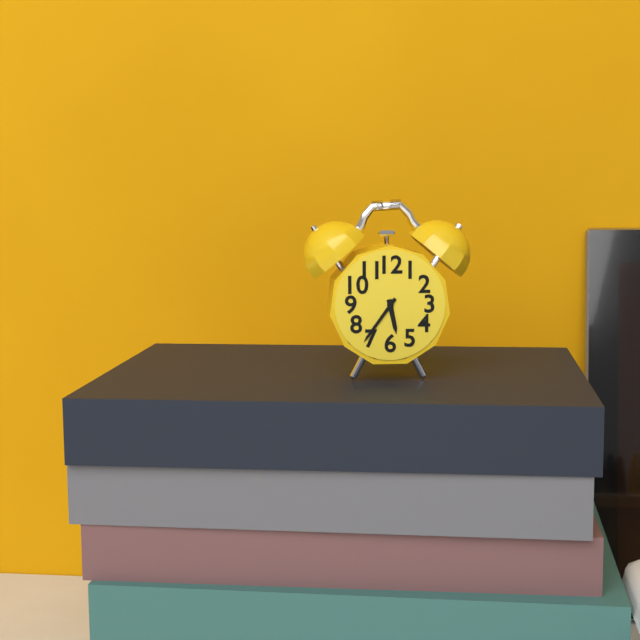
5:36
